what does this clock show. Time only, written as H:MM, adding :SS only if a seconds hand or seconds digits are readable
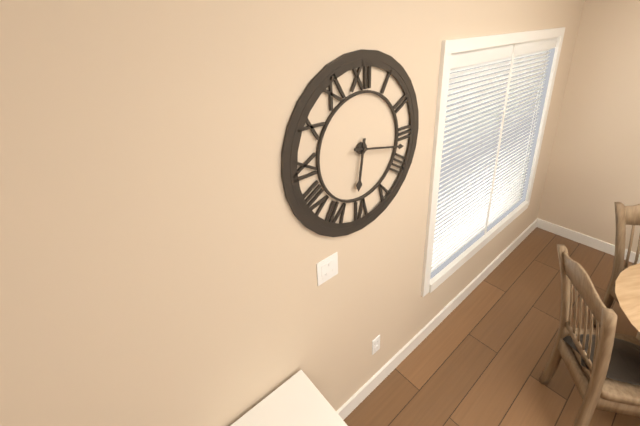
6:17
